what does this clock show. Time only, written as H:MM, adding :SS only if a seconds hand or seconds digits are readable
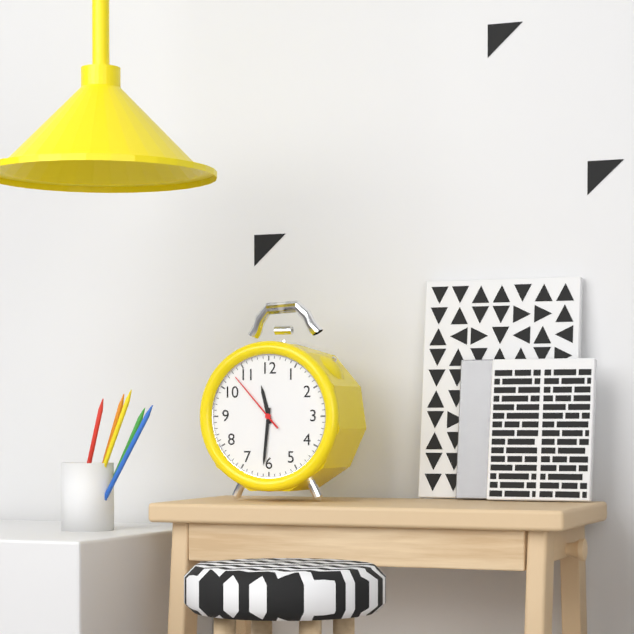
11:31:53
